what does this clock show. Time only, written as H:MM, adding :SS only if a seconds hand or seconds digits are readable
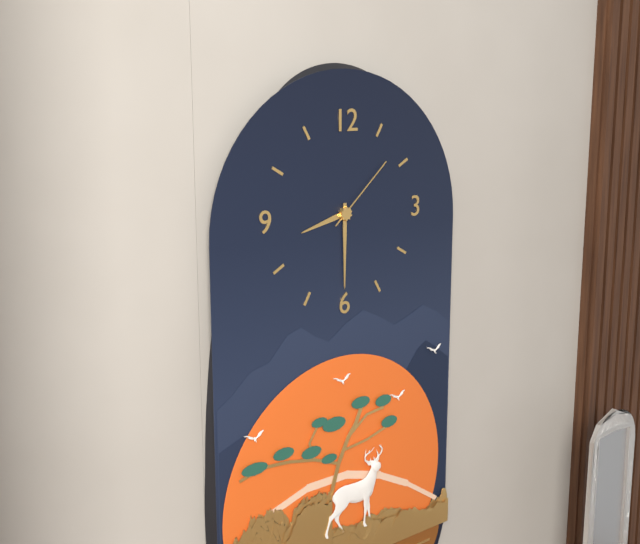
8:30:08
